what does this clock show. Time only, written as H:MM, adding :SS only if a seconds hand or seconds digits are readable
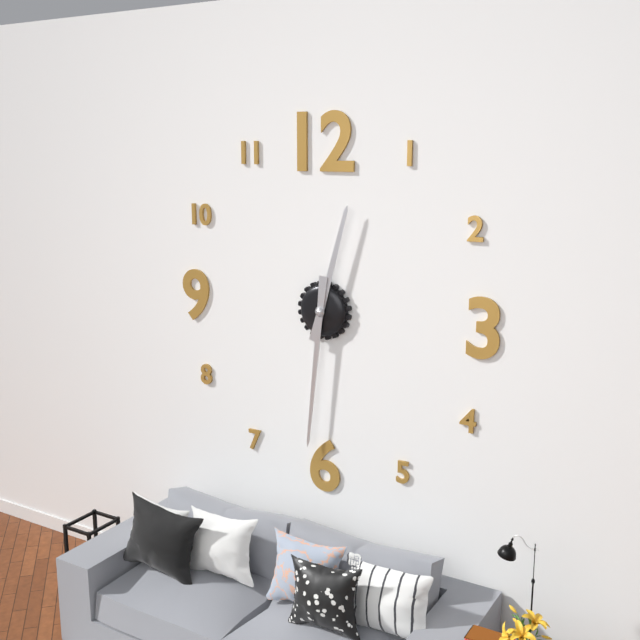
12:31
